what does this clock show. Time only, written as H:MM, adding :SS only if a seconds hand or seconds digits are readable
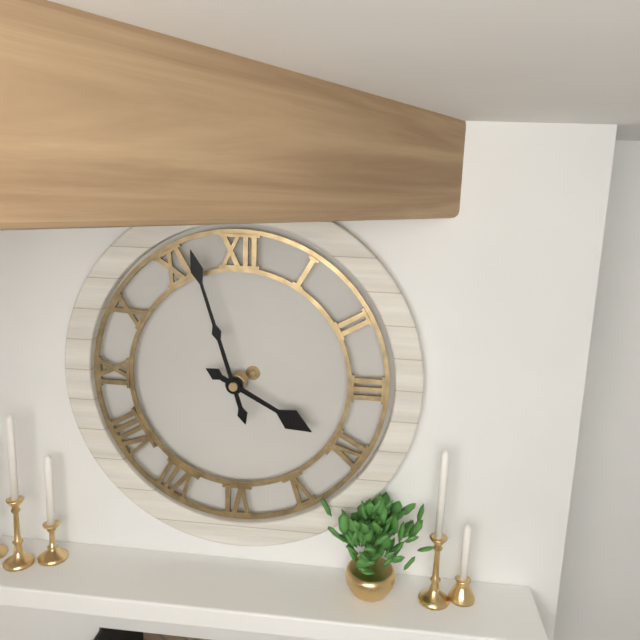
3:57
